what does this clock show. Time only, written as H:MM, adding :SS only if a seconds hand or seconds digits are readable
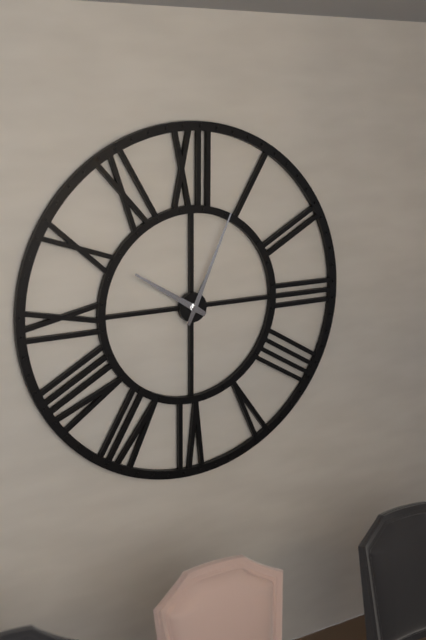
10:04
